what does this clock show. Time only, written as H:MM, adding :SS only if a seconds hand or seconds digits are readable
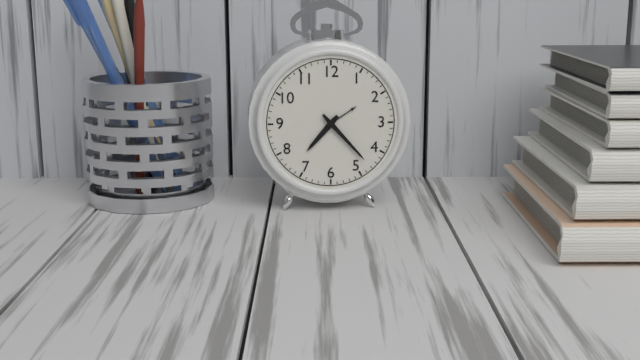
7:23
